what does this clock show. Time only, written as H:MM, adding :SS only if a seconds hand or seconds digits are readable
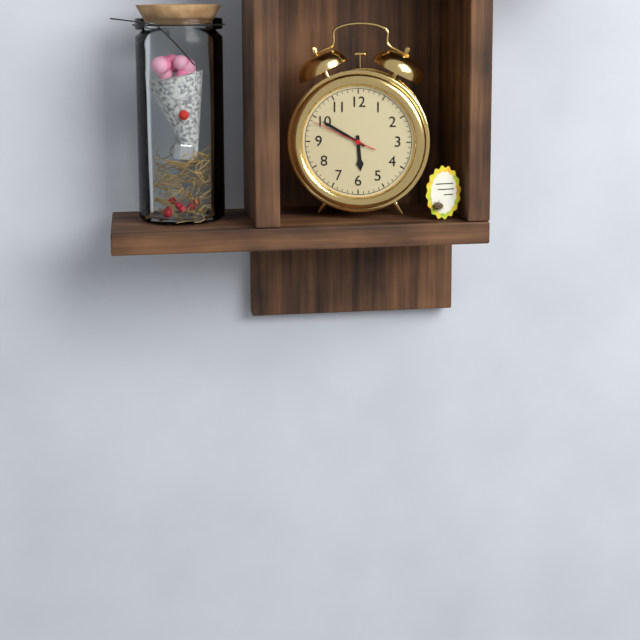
5:50:49
